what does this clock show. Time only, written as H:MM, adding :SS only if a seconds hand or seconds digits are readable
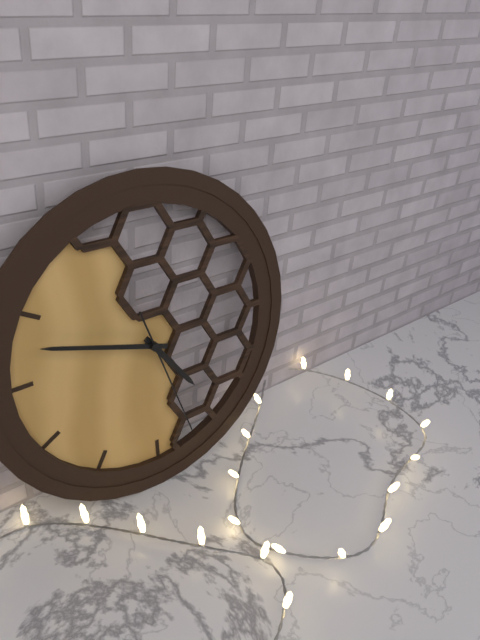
4:48:27
